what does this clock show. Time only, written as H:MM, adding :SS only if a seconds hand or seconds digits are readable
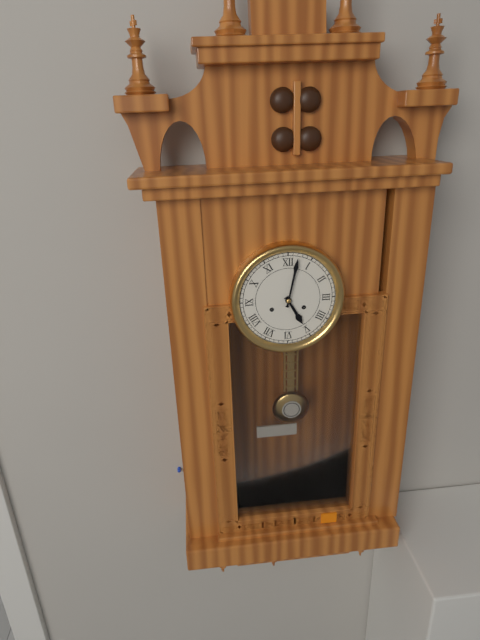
5:02
